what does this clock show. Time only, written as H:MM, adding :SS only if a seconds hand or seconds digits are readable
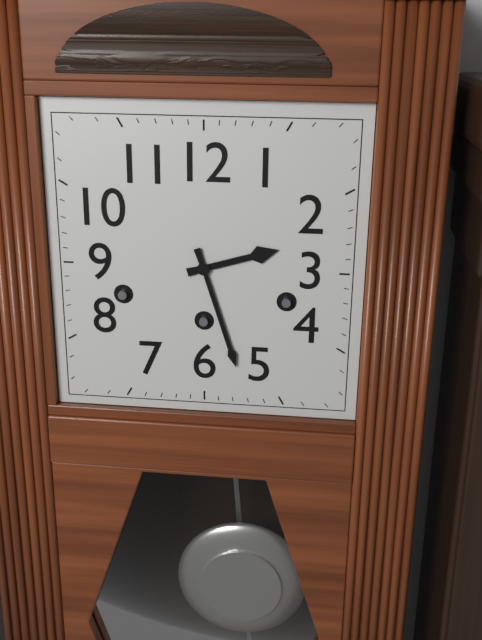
2:27
